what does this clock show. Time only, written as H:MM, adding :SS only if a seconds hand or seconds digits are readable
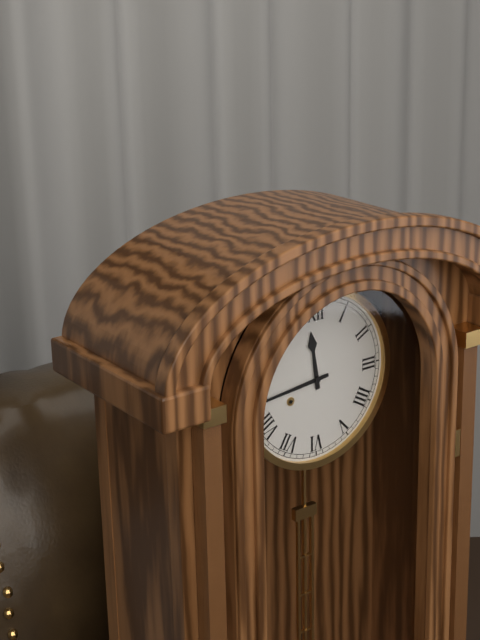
11:44
